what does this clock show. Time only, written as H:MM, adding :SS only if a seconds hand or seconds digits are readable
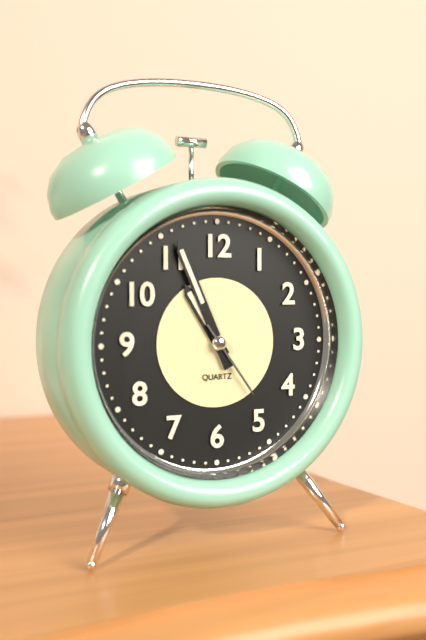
10:56:24
